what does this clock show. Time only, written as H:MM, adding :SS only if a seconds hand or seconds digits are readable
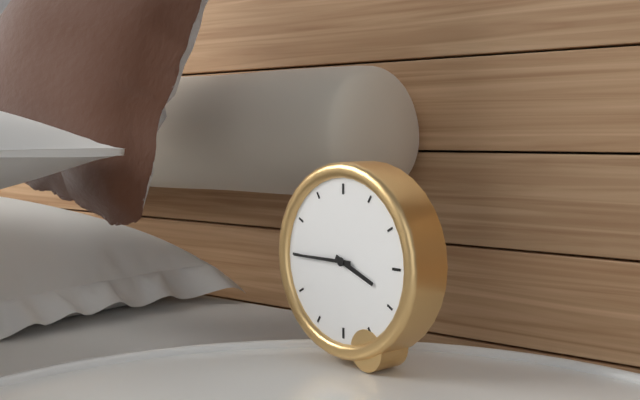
3:45
